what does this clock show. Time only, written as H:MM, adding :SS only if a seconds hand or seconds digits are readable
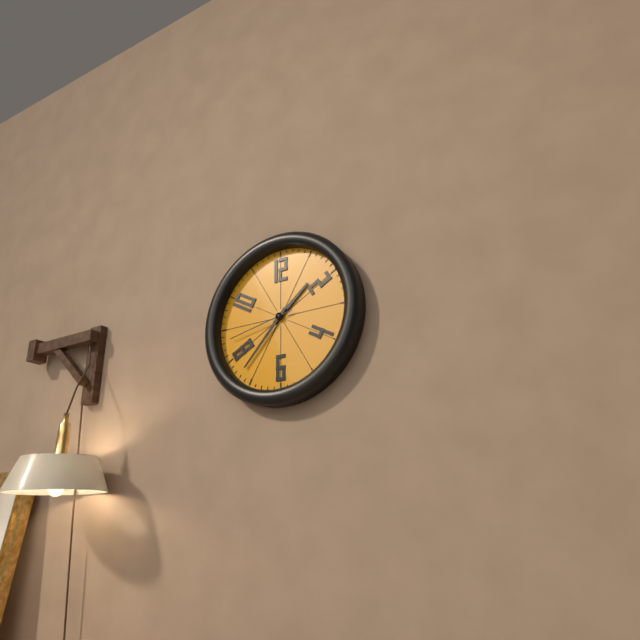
1:37:43
